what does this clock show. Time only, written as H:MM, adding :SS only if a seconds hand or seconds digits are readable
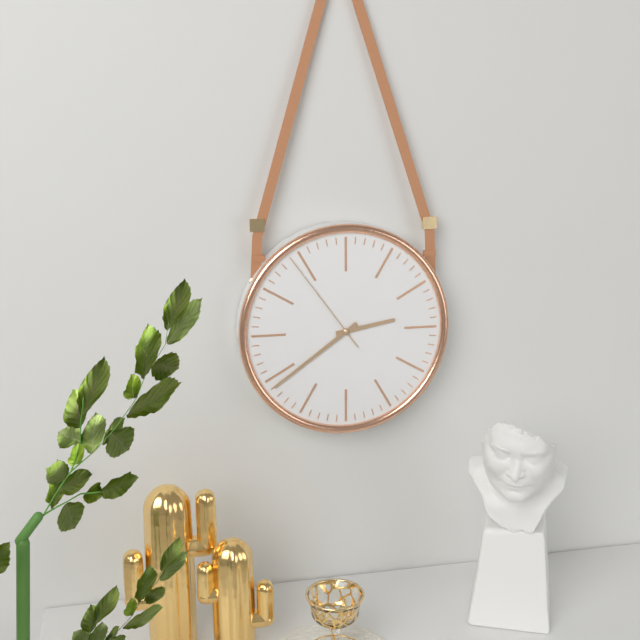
2:39:54
